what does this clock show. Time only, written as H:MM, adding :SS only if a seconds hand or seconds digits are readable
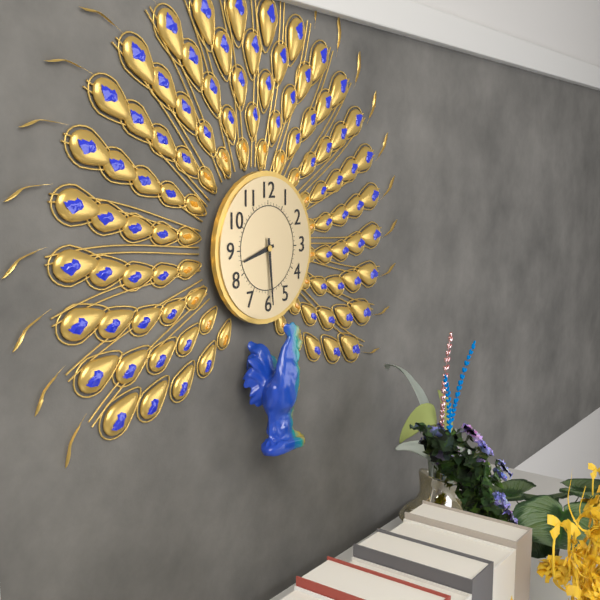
8:29
